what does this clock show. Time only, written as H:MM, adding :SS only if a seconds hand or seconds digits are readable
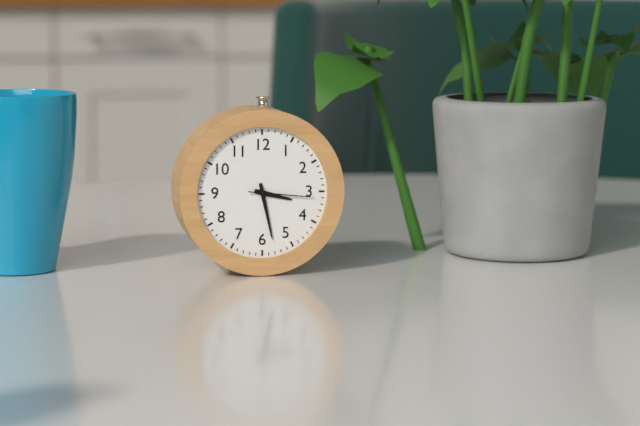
3:28:16
